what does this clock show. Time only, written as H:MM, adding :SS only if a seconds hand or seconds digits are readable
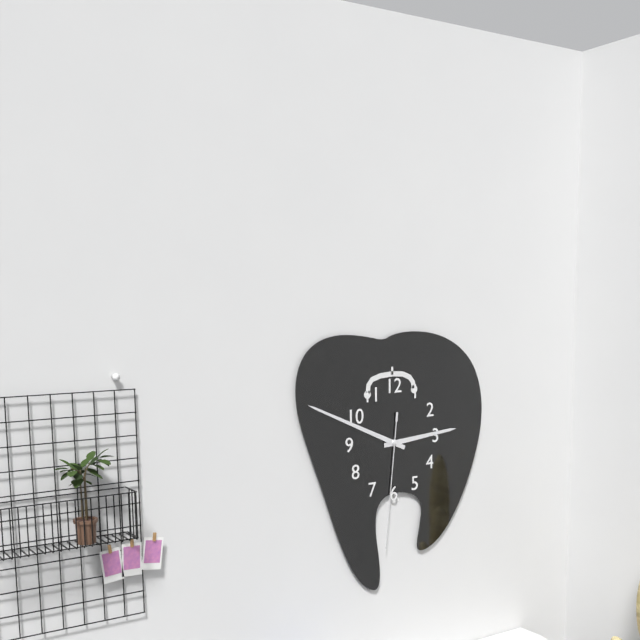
2:49:31
